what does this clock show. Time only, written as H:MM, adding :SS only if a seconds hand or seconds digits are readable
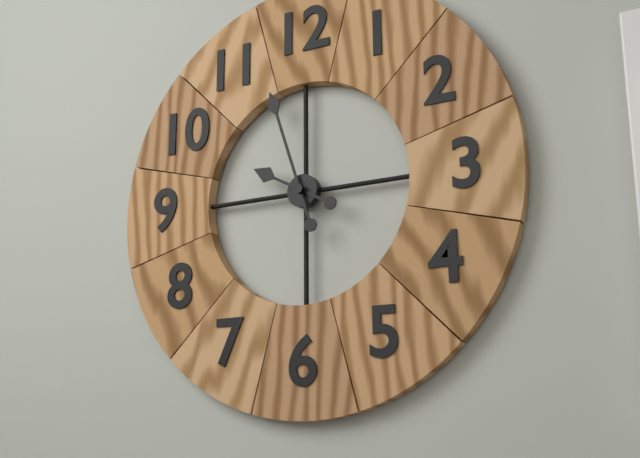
9:57
